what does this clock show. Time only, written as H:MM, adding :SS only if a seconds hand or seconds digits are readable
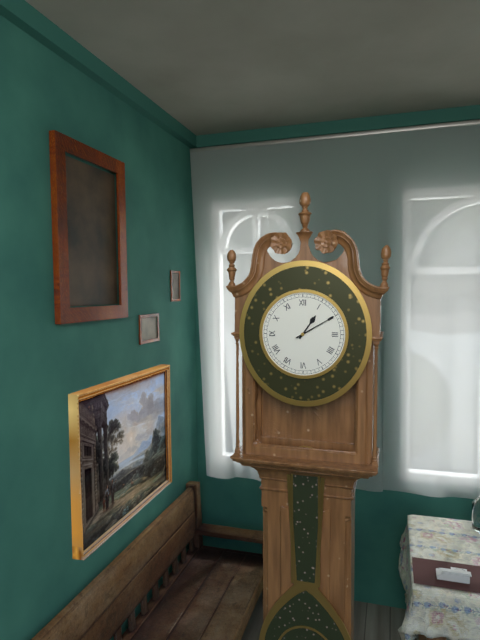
1:10
